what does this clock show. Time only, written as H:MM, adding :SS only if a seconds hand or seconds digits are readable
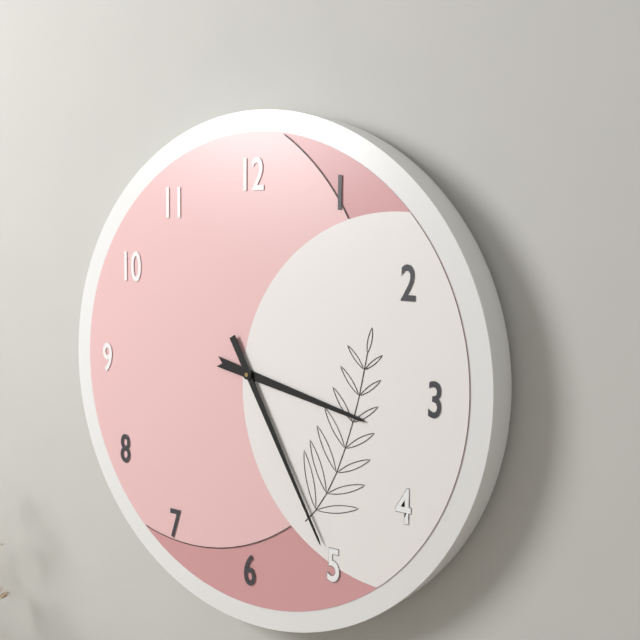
3:25
